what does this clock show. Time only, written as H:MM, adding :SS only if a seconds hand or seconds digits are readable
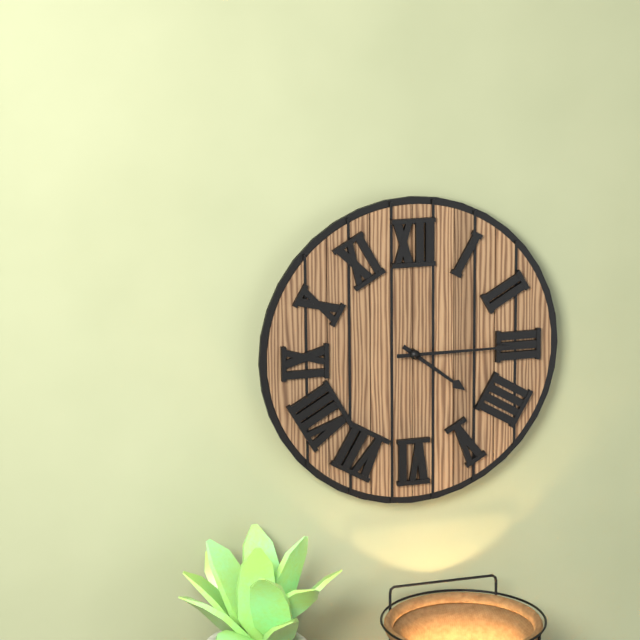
4:15
